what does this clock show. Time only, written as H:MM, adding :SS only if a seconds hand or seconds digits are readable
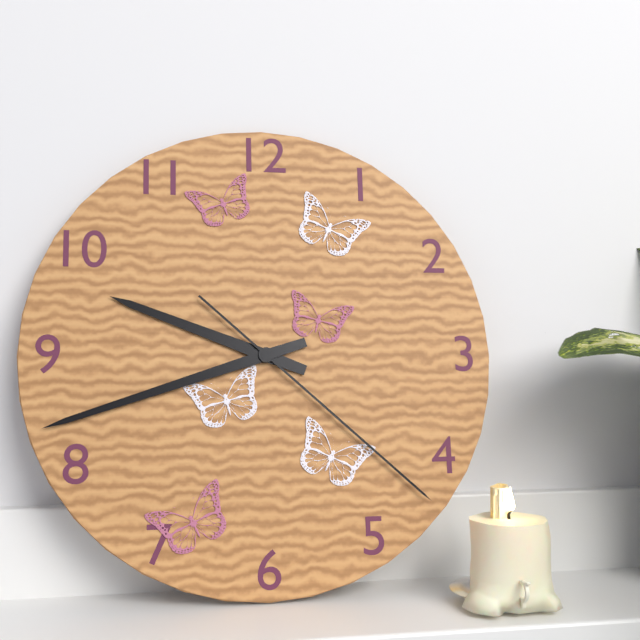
9:42:22
